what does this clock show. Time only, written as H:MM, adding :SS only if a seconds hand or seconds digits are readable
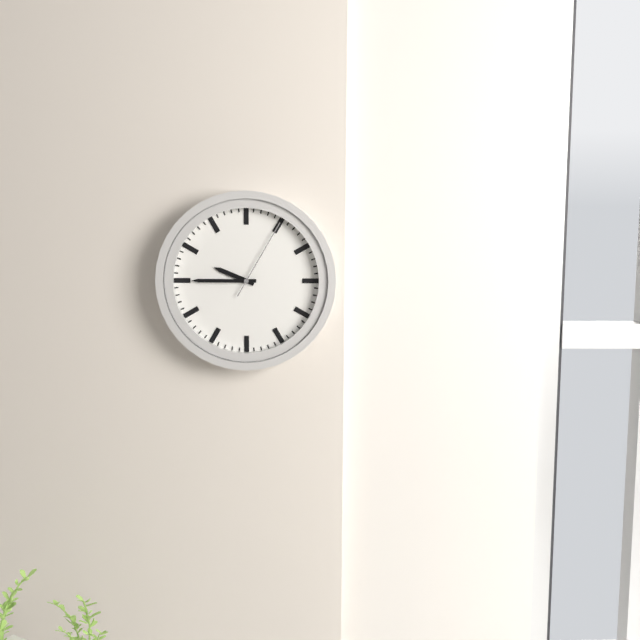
9:45:05
